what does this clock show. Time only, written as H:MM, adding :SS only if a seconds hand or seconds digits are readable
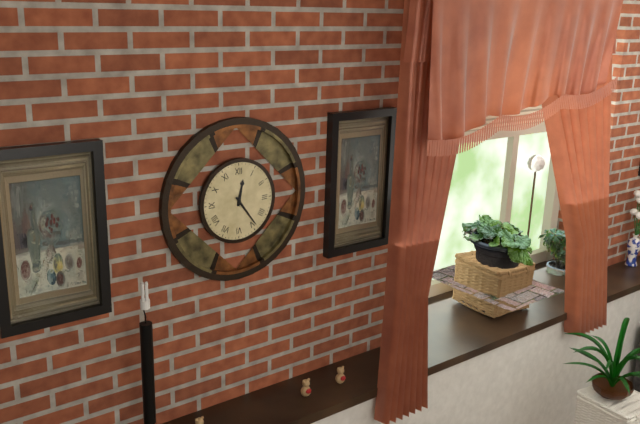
12:24
